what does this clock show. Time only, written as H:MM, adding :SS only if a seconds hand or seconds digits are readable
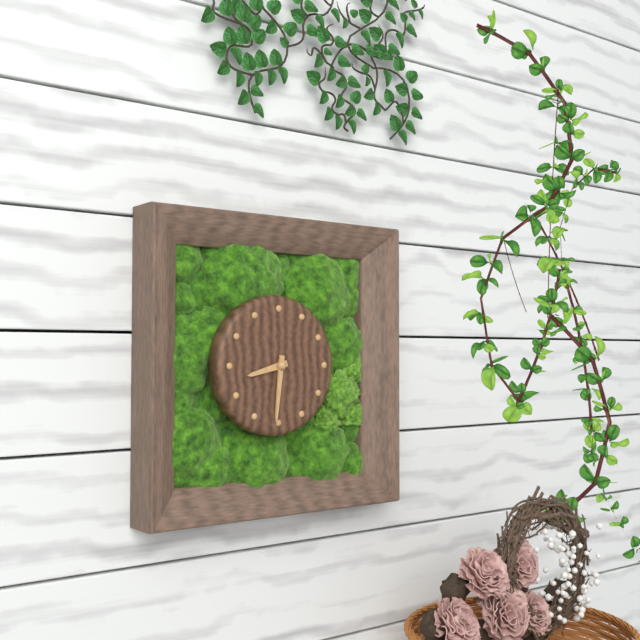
8:31
